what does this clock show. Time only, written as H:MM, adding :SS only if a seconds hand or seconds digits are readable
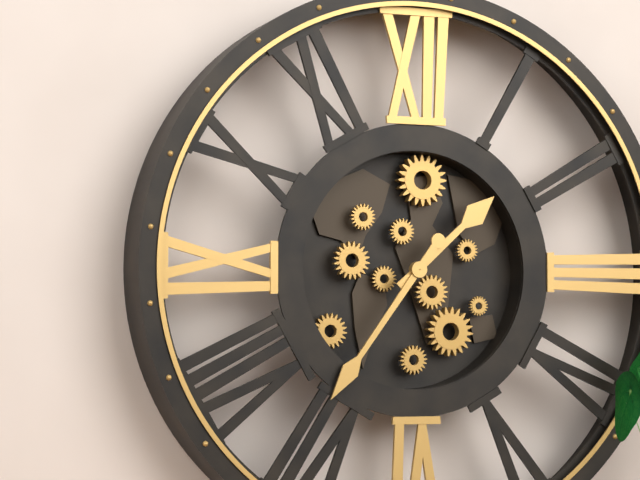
1:36
